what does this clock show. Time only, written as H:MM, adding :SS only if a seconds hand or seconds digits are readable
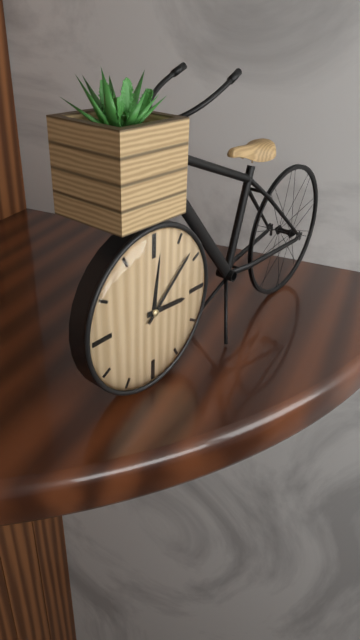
3:08
